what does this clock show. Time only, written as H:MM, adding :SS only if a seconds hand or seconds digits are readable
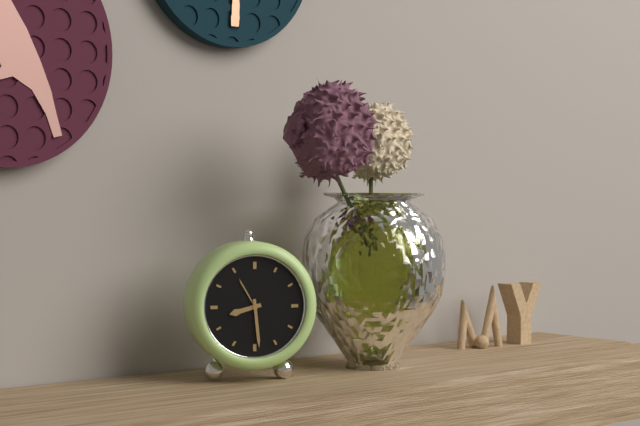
8:29
